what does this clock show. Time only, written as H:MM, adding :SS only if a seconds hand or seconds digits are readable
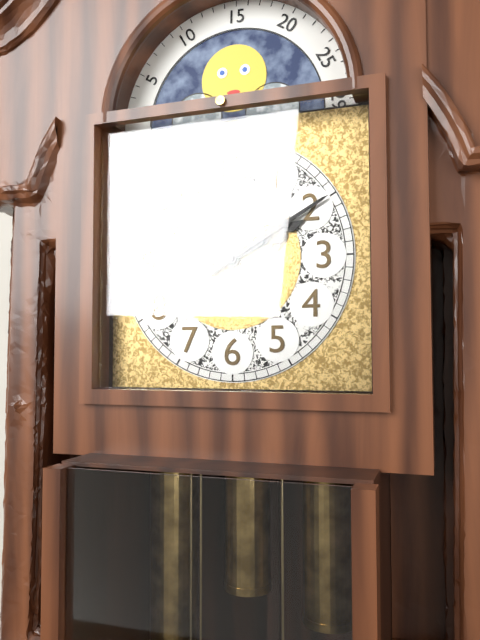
2:10
